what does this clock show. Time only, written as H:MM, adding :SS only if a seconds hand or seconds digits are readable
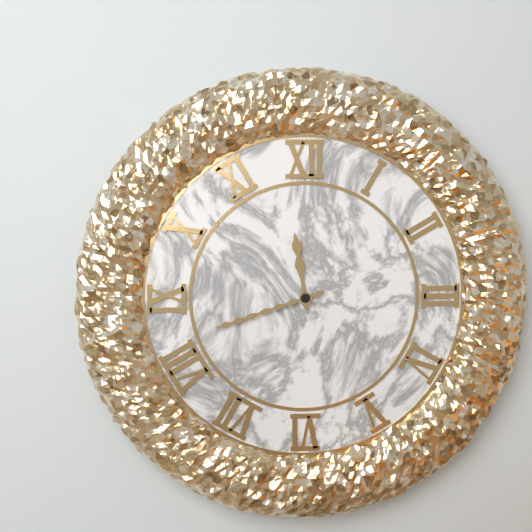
11:42
